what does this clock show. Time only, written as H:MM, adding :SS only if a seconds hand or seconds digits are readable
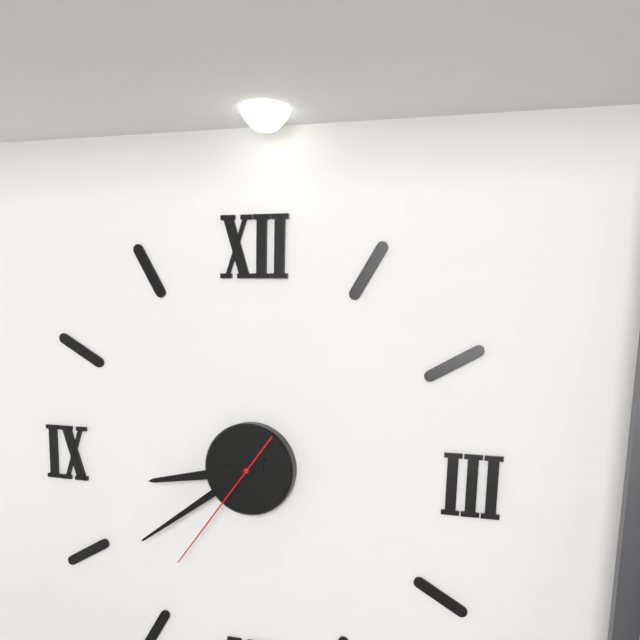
8:39:36
